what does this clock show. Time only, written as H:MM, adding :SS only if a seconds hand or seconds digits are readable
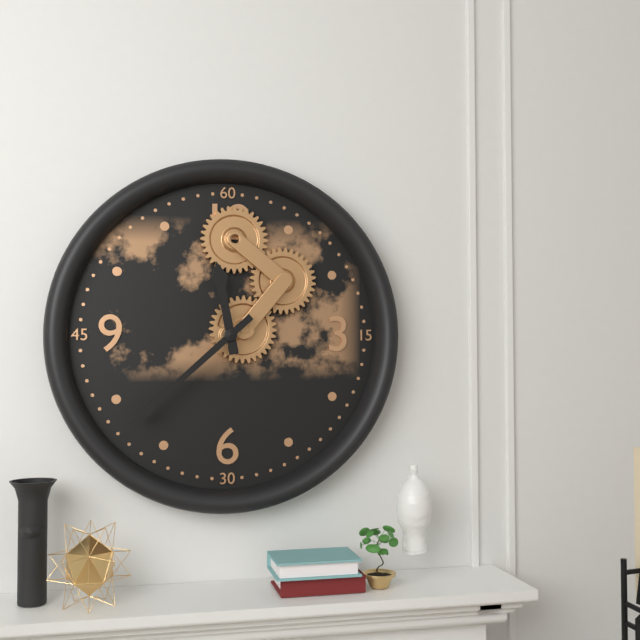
11:38
